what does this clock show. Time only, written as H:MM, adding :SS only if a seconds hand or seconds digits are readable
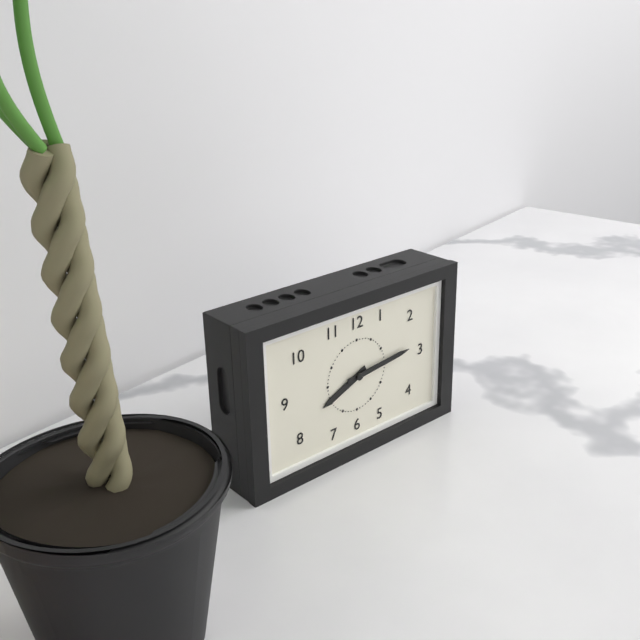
8:14
